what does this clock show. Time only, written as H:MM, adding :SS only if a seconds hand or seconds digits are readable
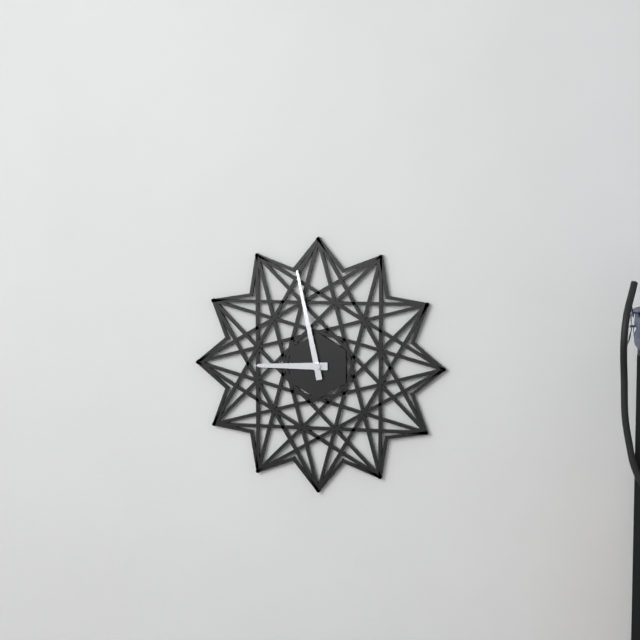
8:58
